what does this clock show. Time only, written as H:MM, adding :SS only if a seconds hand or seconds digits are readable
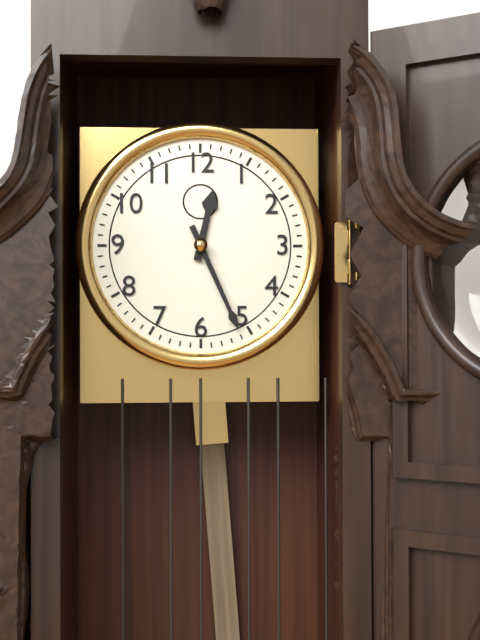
12:26
